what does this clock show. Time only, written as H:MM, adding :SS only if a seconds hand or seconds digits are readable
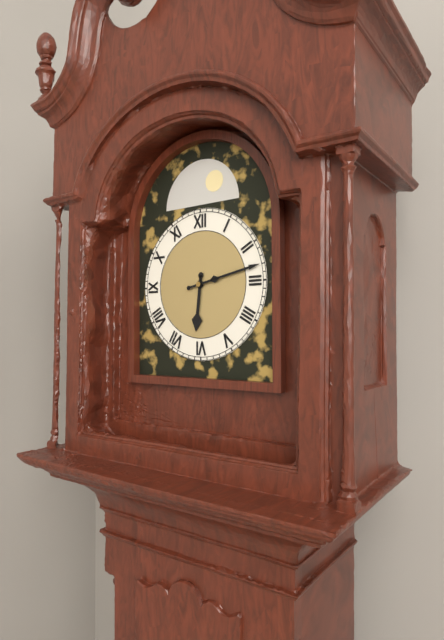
6:13
